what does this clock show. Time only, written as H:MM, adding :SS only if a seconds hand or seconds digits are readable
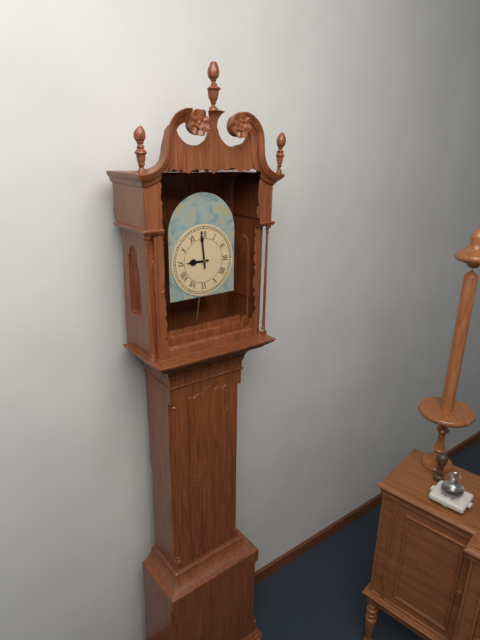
8:59
